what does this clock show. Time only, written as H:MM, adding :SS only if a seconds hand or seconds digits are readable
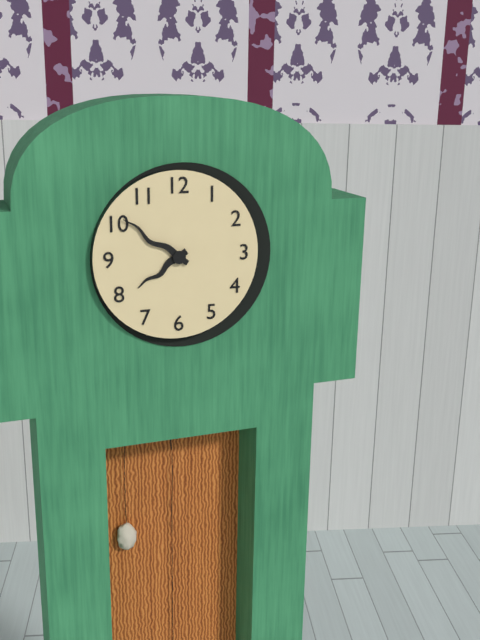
7:51
